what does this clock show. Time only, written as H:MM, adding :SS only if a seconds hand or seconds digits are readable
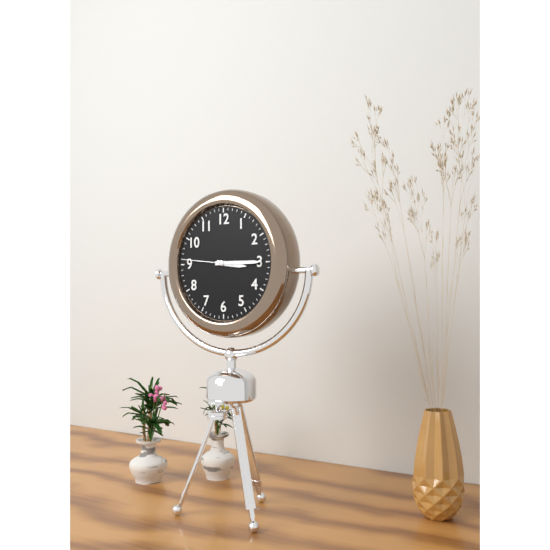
3:15
